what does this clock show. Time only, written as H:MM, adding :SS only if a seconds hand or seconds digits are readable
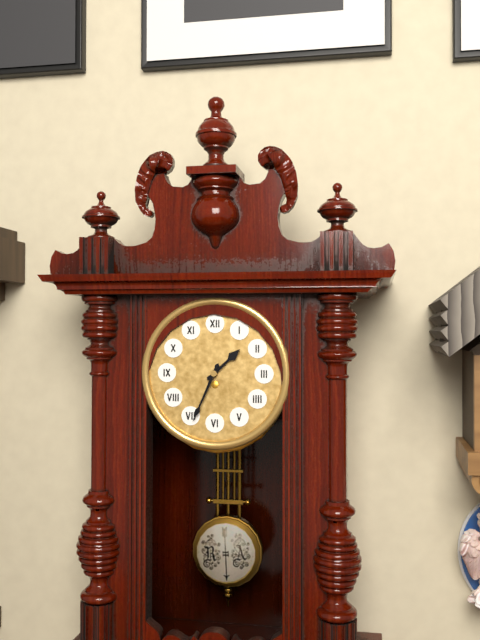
1:34
